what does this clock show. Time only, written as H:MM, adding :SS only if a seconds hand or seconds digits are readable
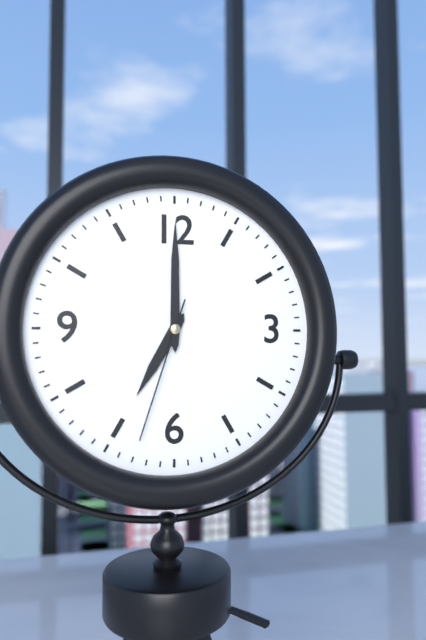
7:00:33
